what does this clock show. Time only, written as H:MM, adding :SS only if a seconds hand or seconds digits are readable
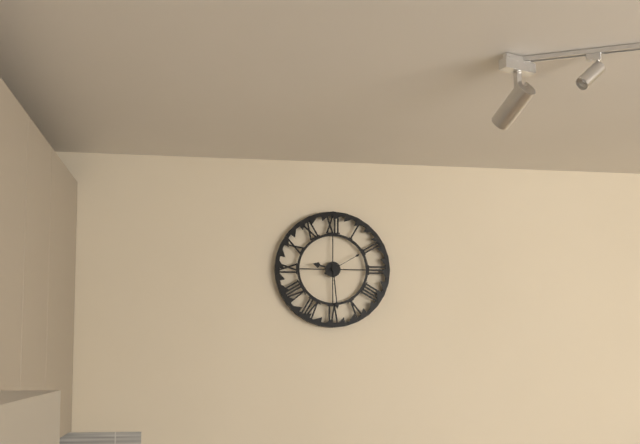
9:29
